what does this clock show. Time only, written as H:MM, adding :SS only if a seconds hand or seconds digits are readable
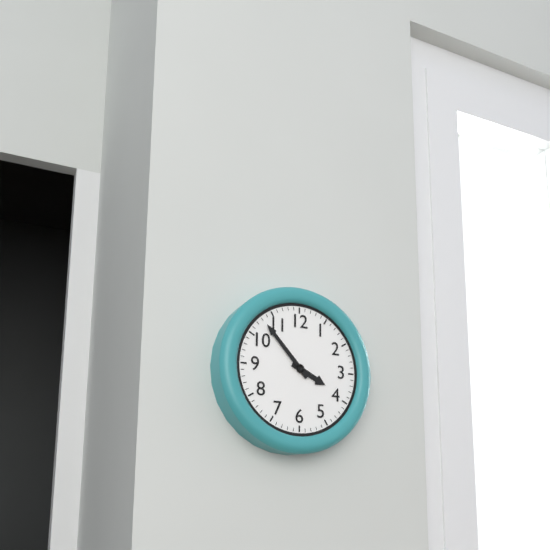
3:53
